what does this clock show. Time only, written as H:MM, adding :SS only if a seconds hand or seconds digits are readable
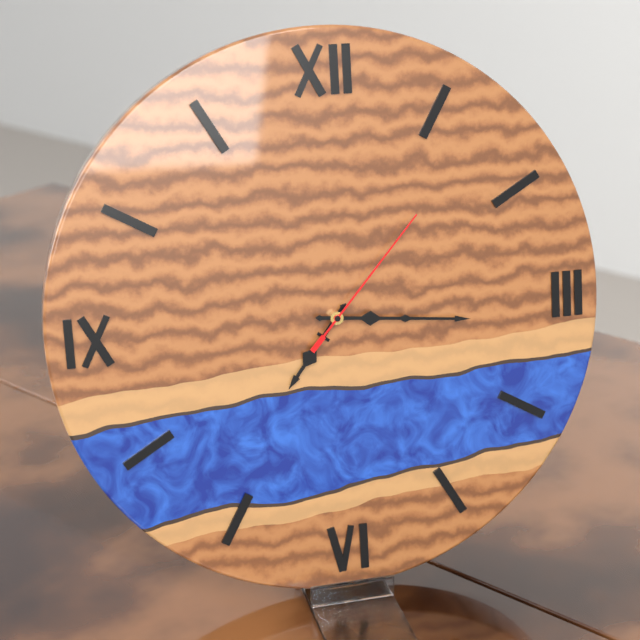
7:16:07
